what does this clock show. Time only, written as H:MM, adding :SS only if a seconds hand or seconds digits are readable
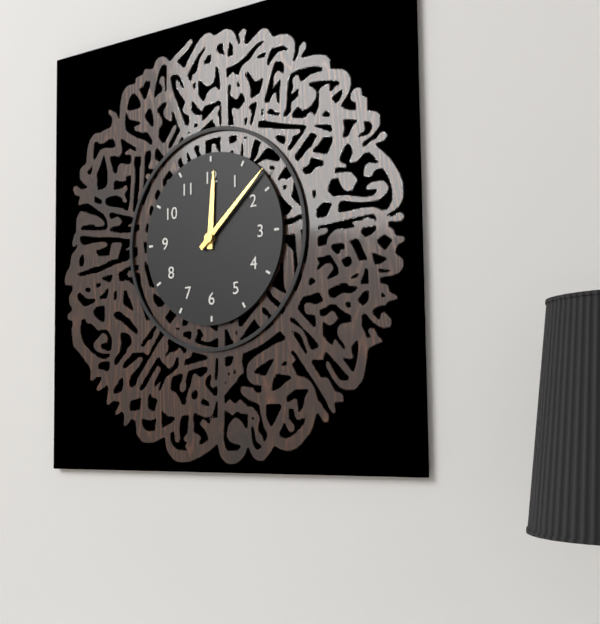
12:08
